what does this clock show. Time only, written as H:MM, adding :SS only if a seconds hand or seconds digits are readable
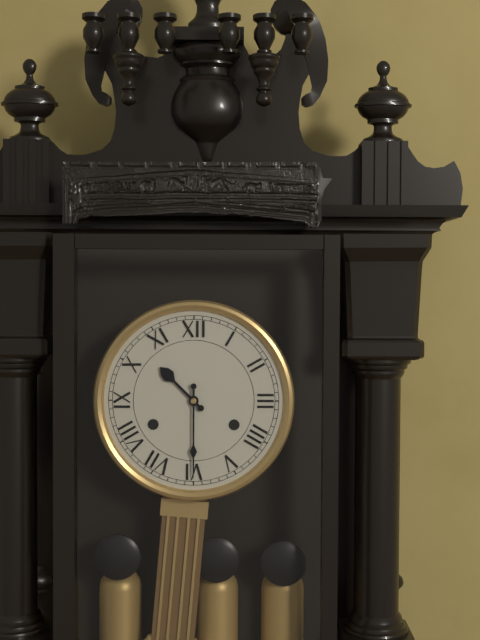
10:30
